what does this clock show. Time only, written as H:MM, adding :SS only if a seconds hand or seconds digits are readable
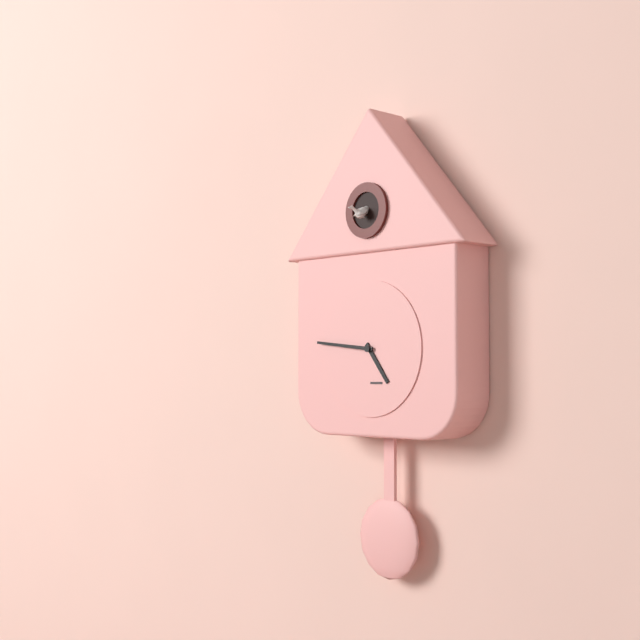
4:46
